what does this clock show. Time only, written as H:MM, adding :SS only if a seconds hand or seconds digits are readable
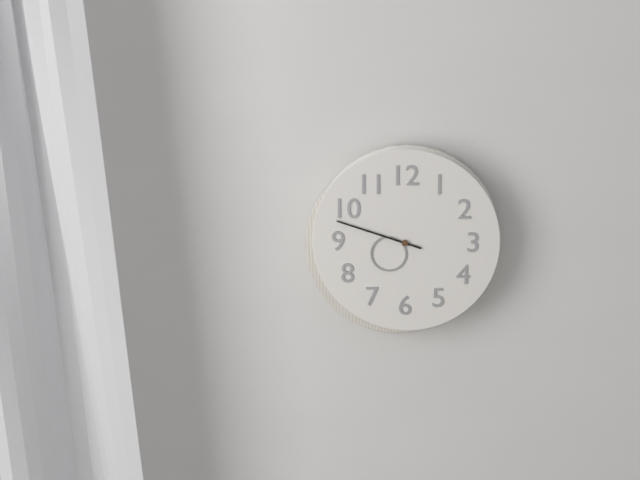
7:48
